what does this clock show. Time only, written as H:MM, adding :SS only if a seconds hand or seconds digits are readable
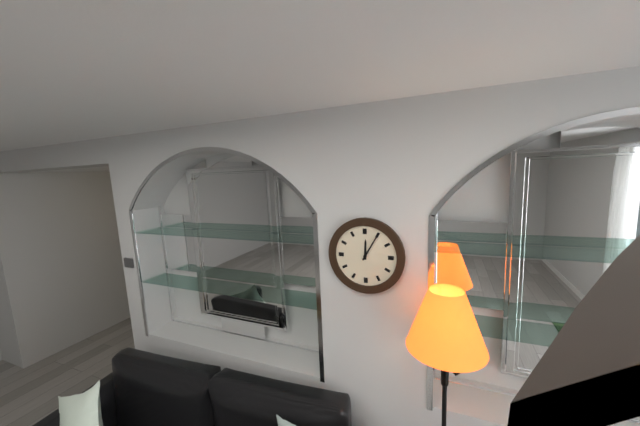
12:05
